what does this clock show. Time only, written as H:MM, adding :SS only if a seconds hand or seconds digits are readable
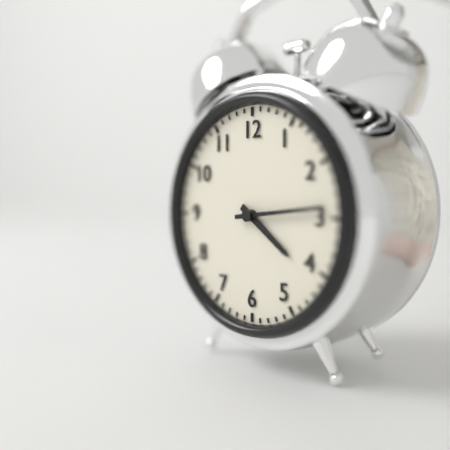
4:14
